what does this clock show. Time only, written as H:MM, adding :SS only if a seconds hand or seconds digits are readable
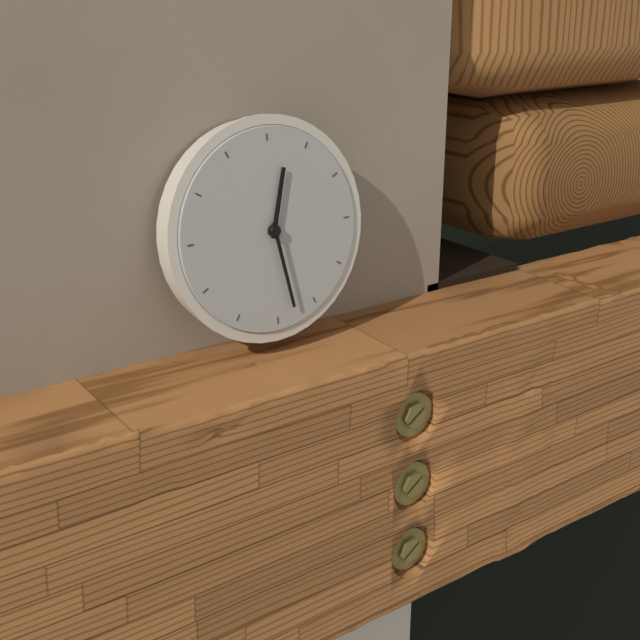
12:28
